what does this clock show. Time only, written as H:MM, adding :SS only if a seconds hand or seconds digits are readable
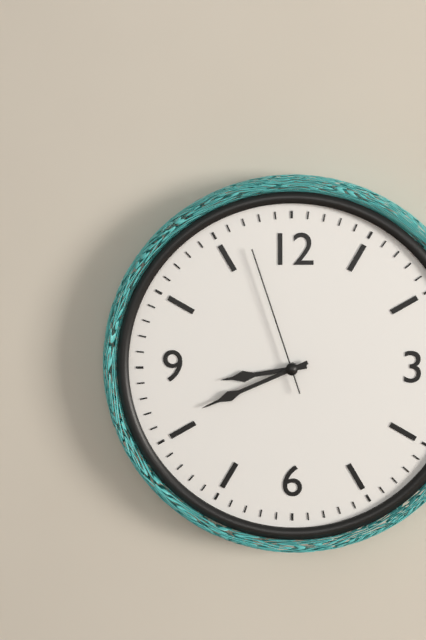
8:41:57
